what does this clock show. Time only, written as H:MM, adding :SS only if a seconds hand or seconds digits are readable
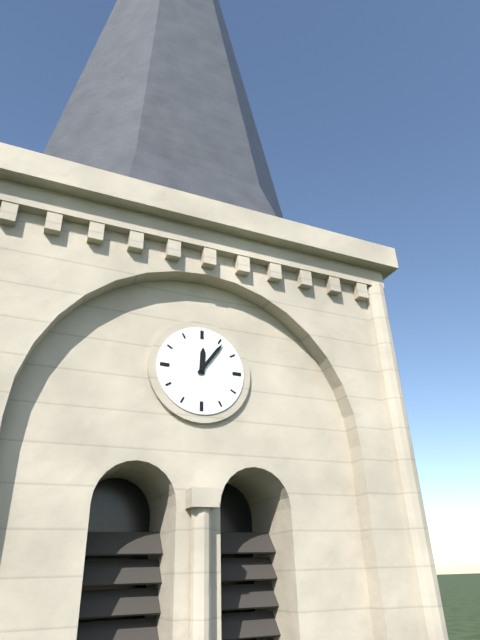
12:06
